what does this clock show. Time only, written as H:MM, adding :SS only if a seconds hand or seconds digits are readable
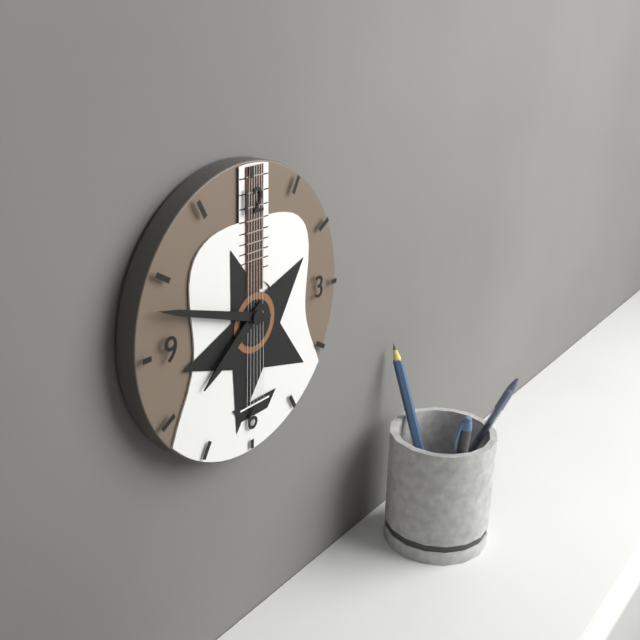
7:48
